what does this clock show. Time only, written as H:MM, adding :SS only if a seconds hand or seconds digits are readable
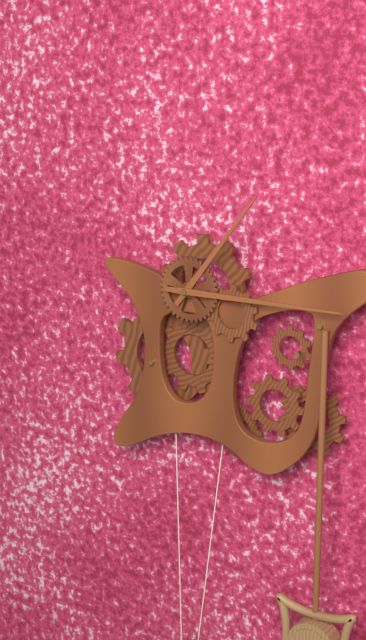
1:15
